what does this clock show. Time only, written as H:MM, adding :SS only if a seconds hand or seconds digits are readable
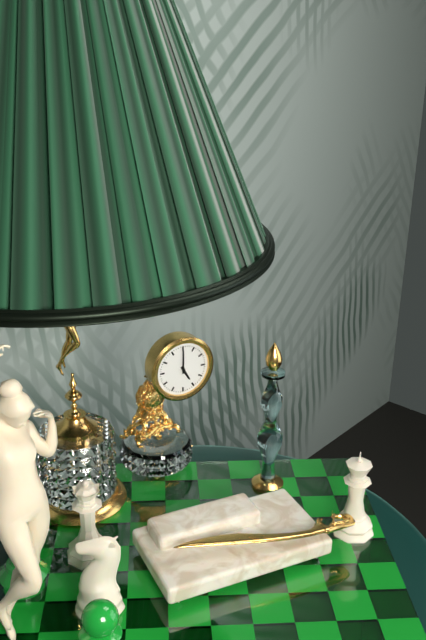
5:00
